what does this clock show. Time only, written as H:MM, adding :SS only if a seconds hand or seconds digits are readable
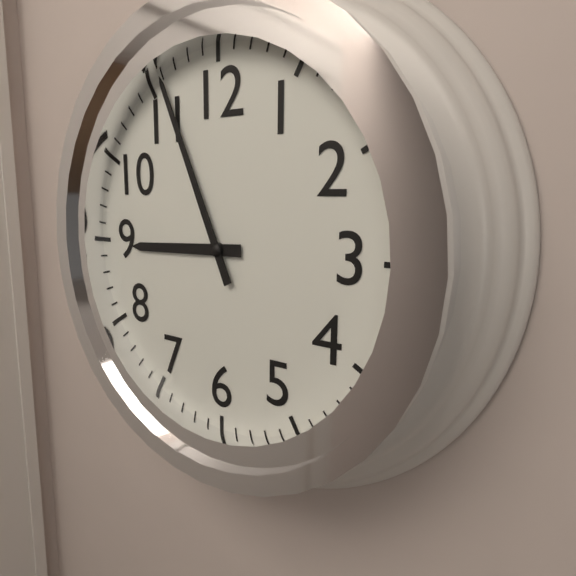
8:56
